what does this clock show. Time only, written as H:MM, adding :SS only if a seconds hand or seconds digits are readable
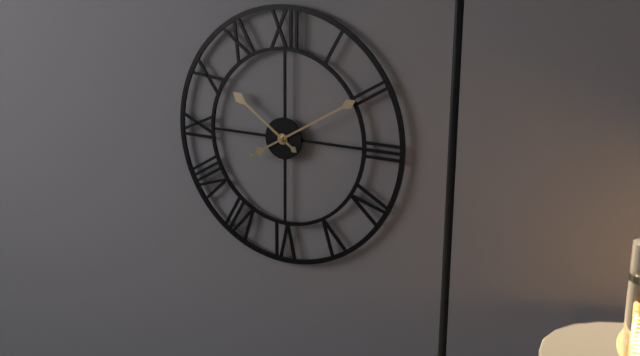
10:10
